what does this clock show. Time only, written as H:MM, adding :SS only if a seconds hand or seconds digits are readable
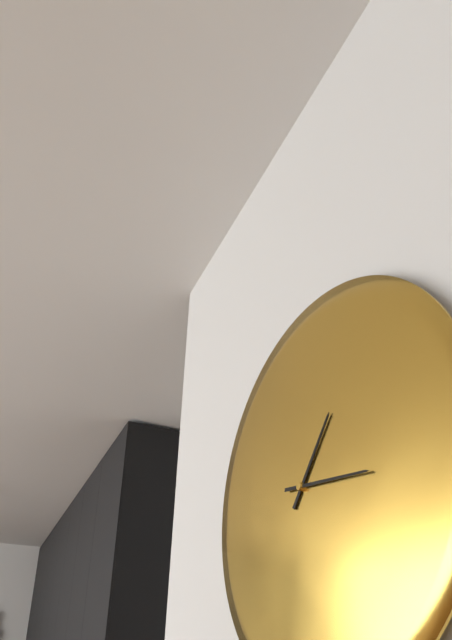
1:16
